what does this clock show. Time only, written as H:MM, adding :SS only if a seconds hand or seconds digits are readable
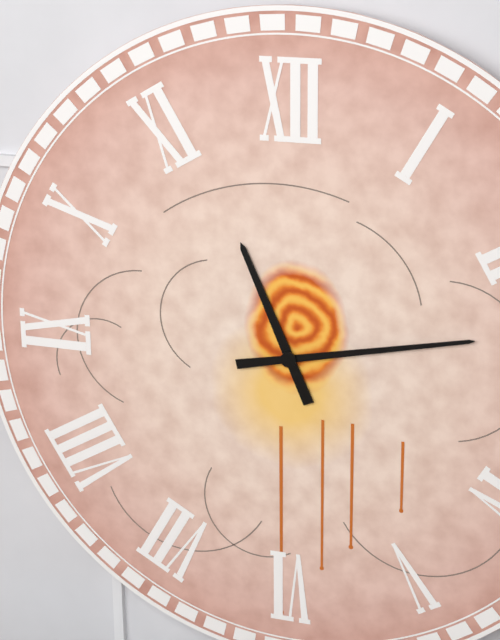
11:13
